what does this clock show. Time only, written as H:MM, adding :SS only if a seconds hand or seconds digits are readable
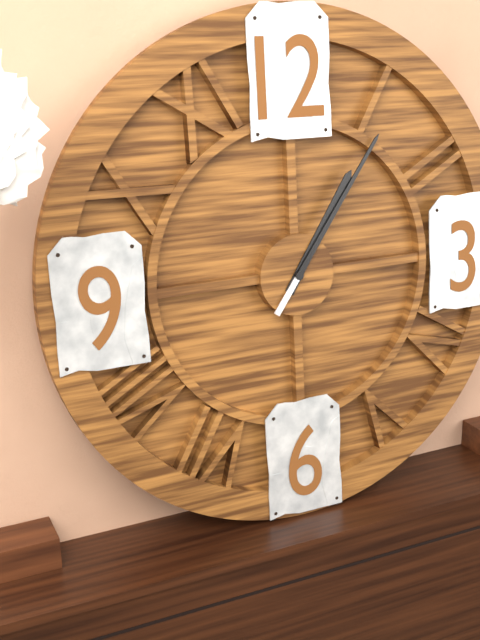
1:06
